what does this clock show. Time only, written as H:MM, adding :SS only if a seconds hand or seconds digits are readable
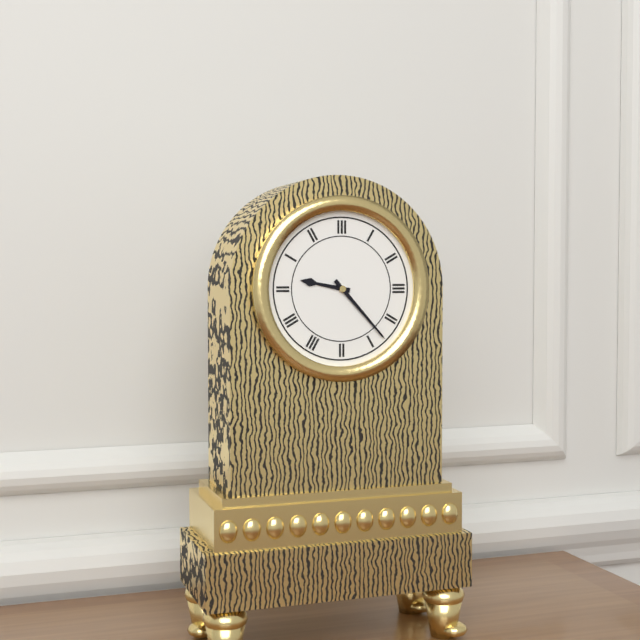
9:23
